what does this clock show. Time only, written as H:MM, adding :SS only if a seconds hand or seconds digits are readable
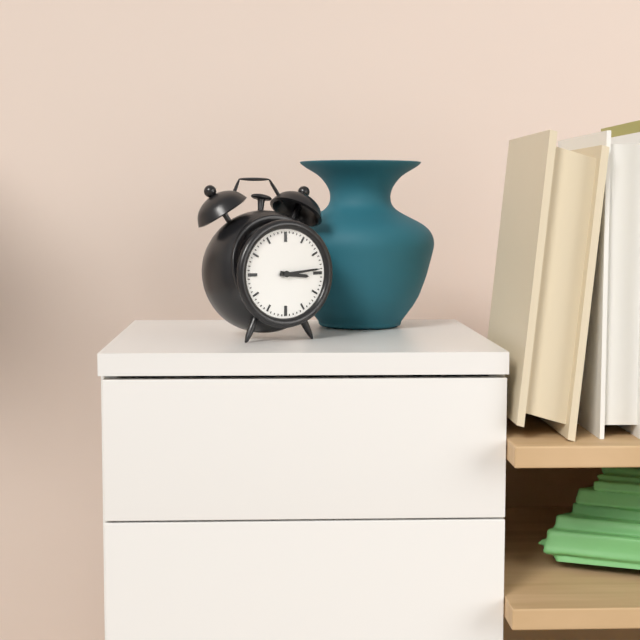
3:14
